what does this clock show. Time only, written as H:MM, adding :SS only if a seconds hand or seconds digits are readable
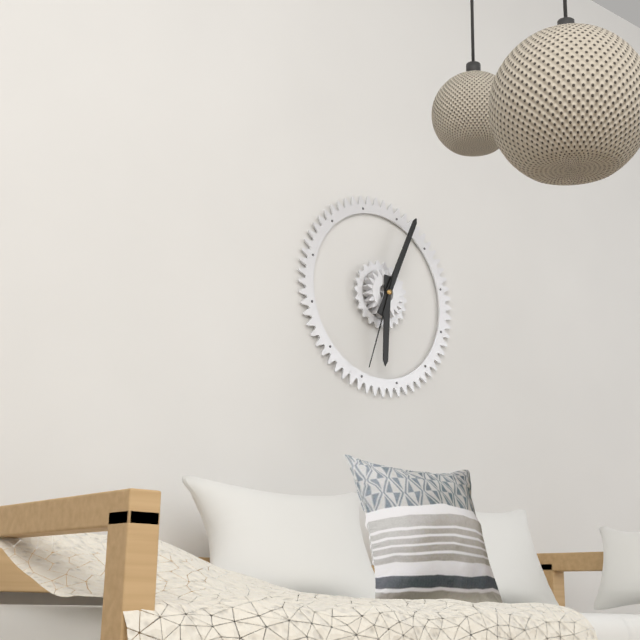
6:04:33
